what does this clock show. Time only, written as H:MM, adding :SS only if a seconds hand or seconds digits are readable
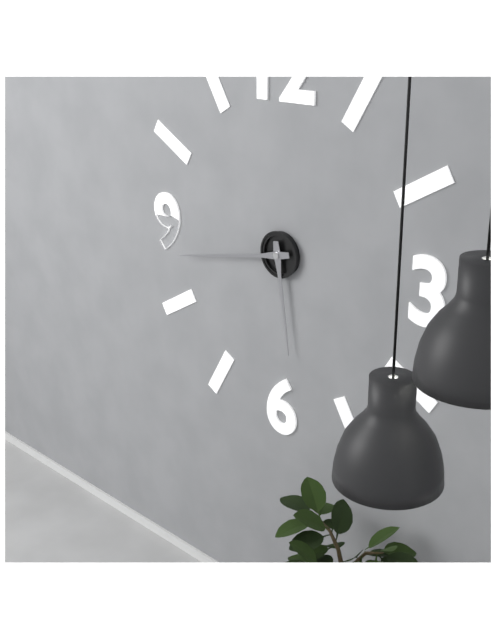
5:43
